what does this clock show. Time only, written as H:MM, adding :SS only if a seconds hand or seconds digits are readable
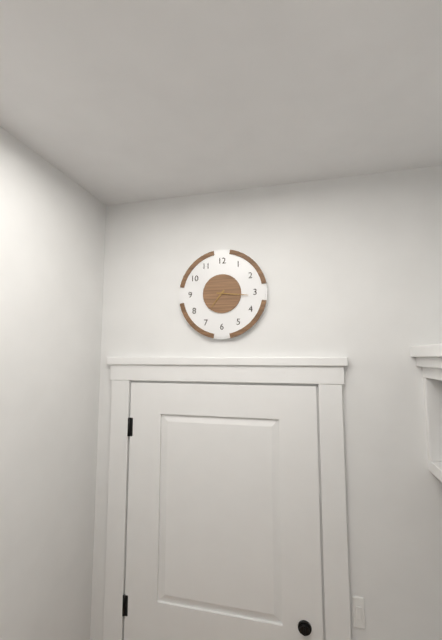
7:16
